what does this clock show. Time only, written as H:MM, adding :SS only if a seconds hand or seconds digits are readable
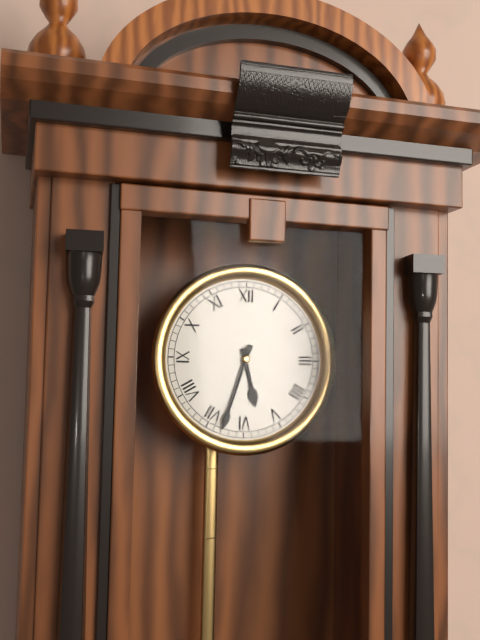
5:33
